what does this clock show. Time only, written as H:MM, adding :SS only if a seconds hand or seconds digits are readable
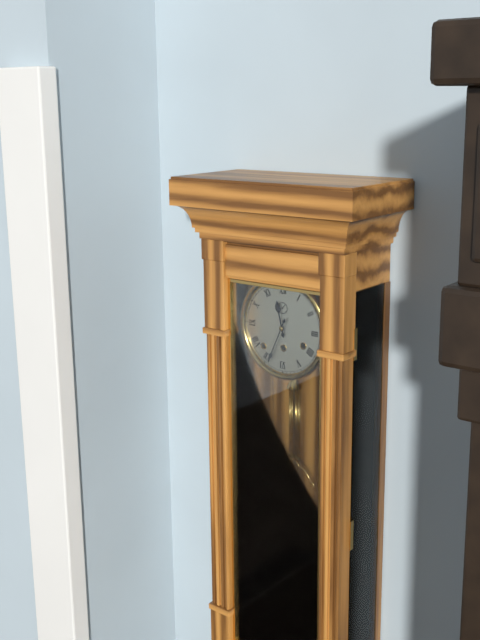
11:34
